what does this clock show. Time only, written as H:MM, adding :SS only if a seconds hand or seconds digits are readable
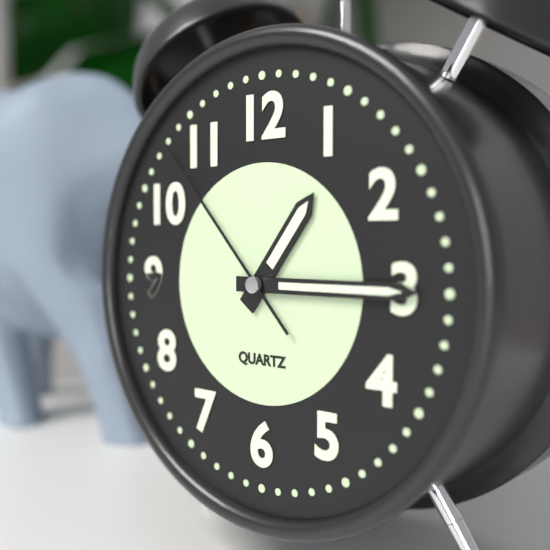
1:15:53
